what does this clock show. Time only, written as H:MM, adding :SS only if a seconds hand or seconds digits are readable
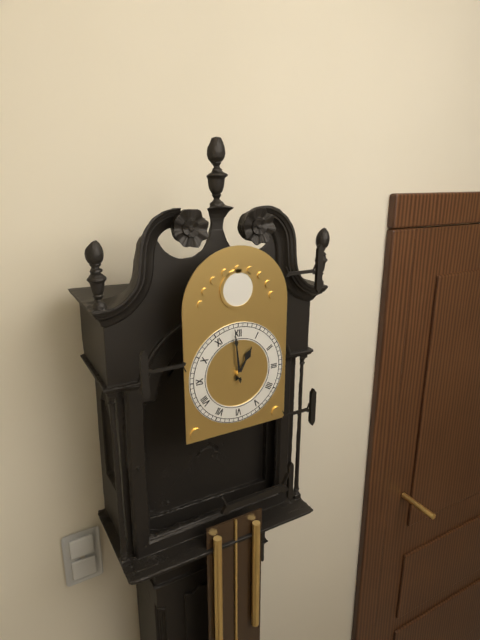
12:59
